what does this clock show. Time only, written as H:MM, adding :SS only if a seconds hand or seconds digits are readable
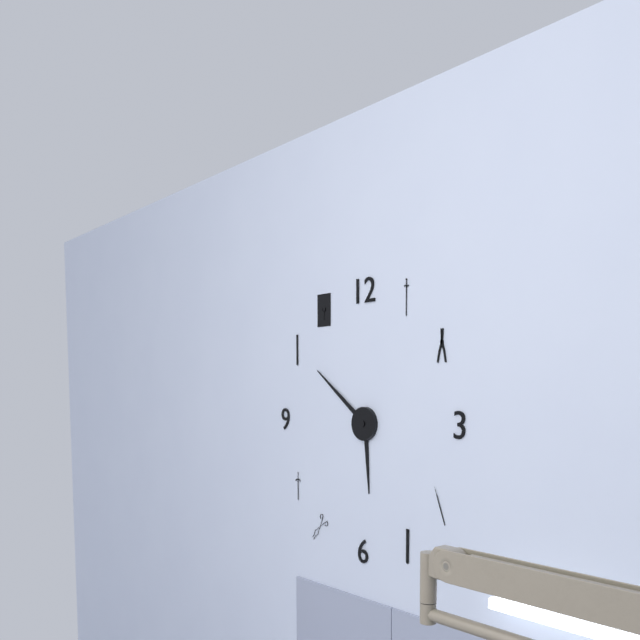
5:51
